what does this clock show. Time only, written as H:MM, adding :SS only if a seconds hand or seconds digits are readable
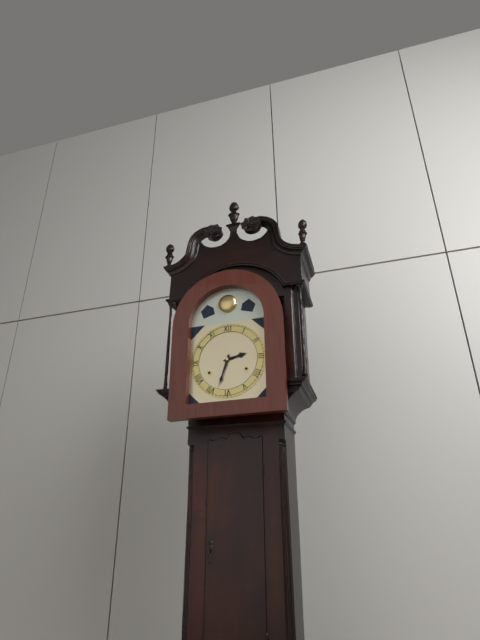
2:33
